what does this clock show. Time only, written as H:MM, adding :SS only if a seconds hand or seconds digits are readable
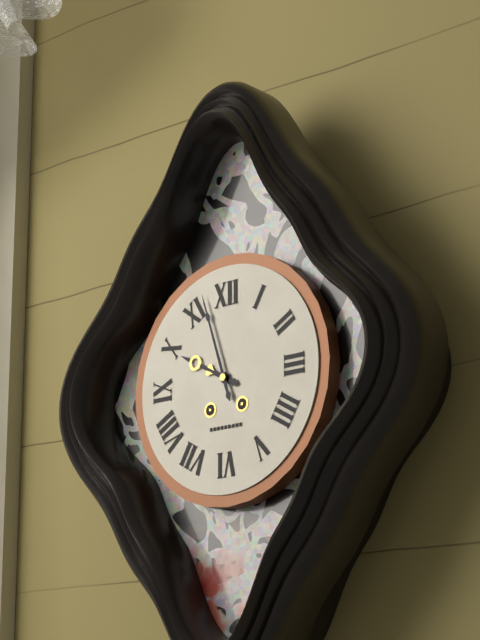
9:57
